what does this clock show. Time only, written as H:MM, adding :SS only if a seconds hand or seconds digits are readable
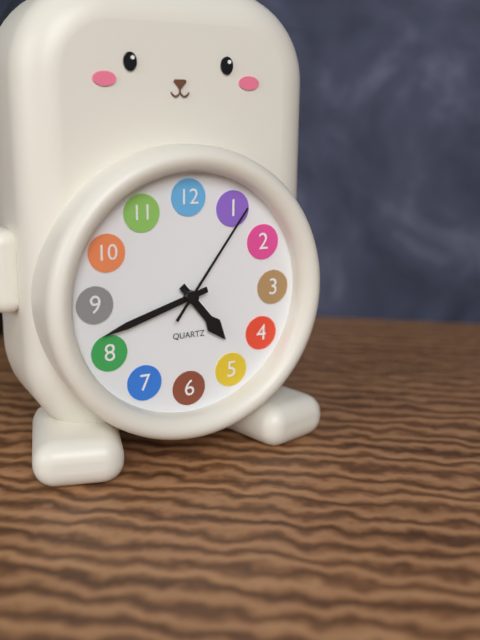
4:42:06
